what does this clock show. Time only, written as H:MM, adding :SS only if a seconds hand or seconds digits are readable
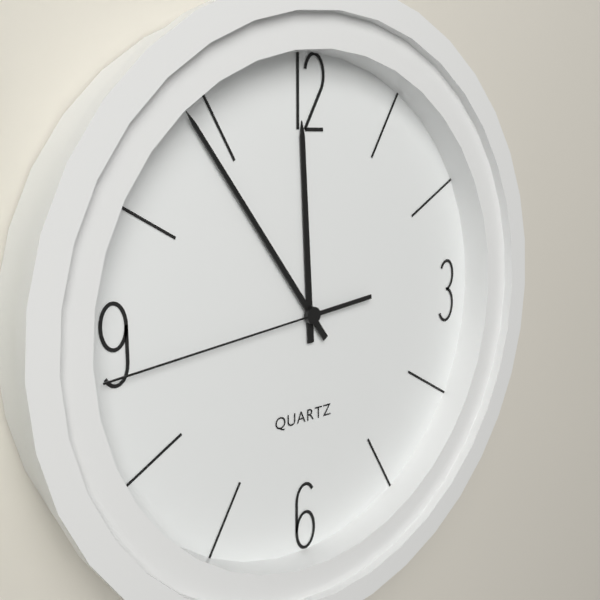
11:54:44
